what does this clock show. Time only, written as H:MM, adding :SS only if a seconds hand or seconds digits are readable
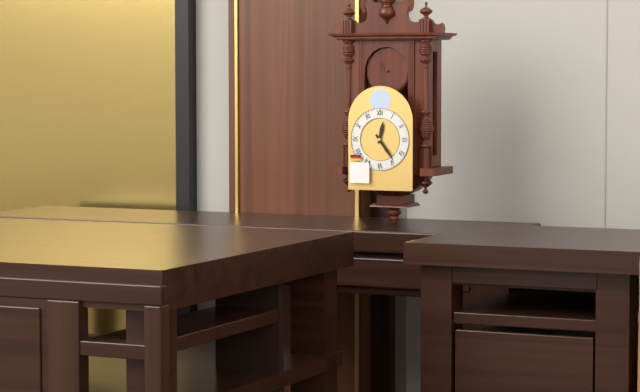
12:24
